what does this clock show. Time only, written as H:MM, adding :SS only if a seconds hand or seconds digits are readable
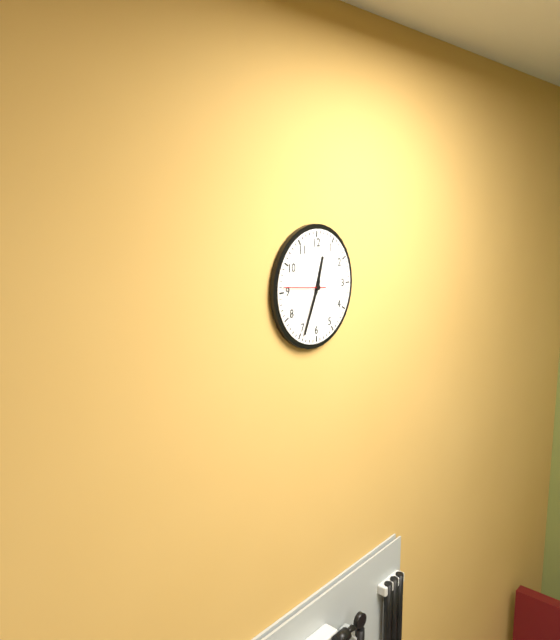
12:34
